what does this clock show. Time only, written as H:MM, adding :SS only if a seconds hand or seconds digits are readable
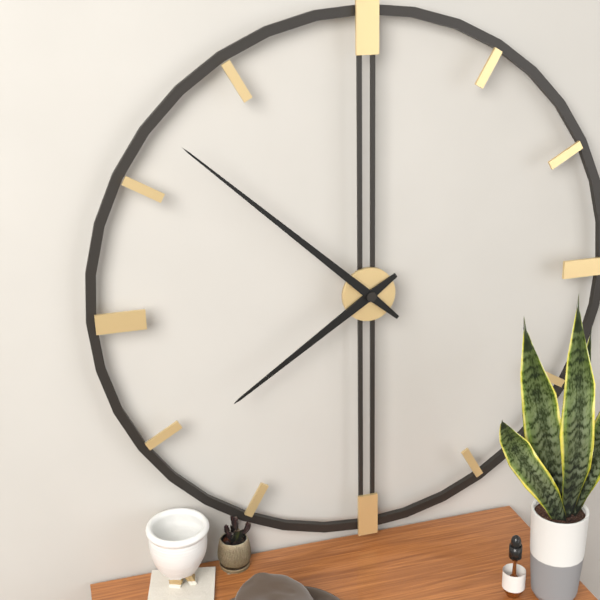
7:52
